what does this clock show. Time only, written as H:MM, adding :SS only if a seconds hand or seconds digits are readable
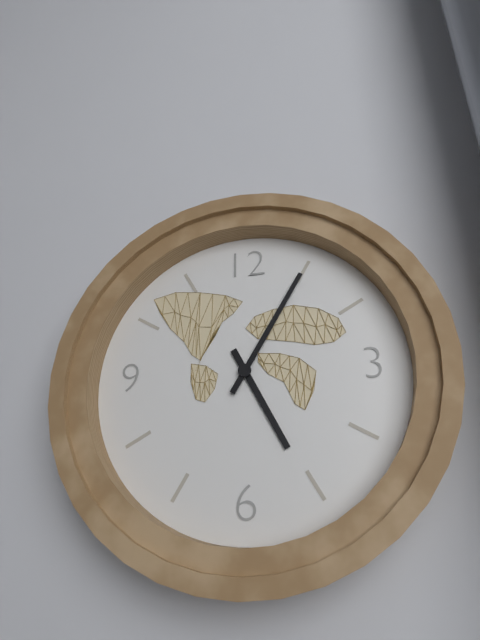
5:05
